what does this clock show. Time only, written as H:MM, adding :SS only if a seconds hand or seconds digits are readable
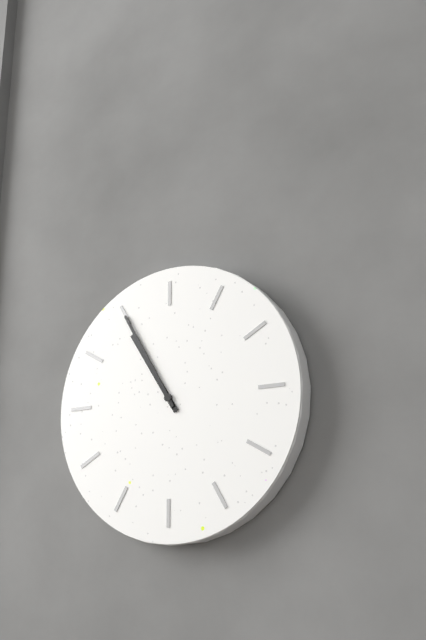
10:55
